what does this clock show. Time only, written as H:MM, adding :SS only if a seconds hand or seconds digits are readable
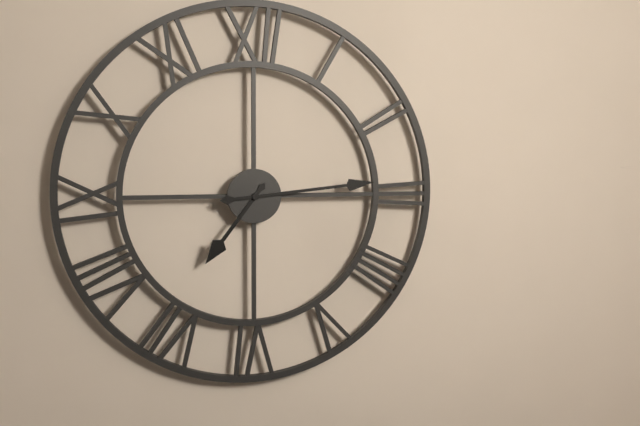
7:14
